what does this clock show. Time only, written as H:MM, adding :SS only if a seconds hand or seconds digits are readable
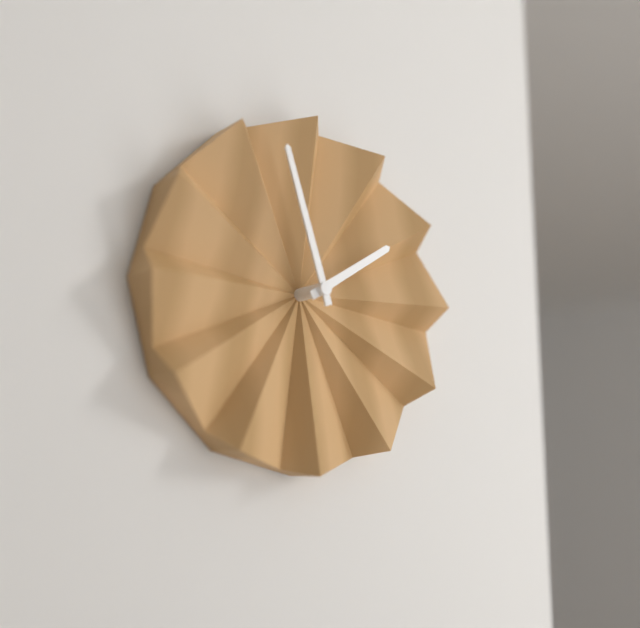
1:57
